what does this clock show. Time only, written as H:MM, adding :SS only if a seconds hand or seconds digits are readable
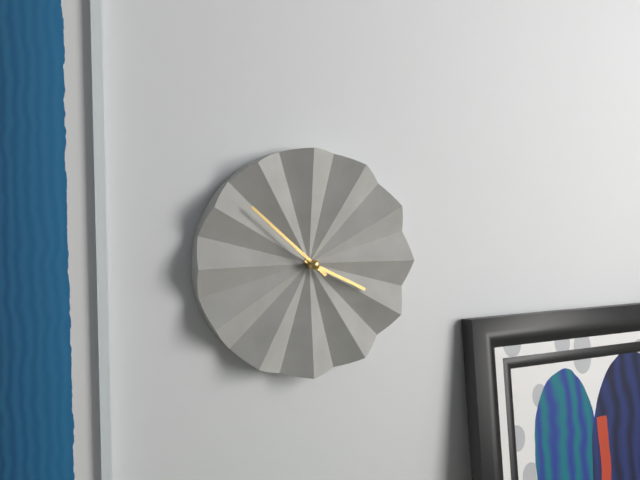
3:52
